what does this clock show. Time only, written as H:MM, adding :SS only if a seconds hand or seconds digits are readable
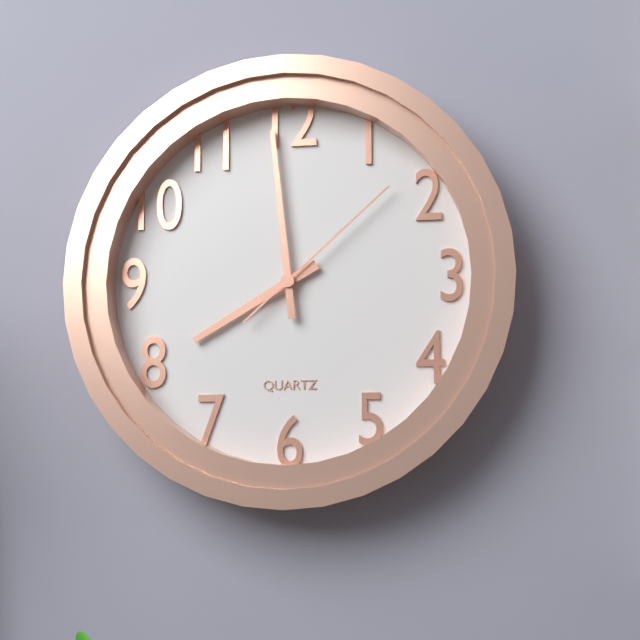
7:59:08
